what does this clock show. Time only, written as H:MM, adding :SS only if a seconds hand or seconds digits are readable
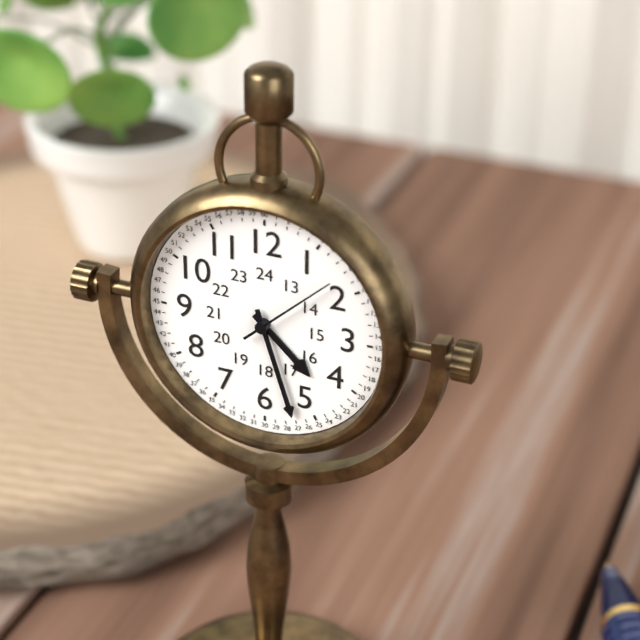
4:27:08
